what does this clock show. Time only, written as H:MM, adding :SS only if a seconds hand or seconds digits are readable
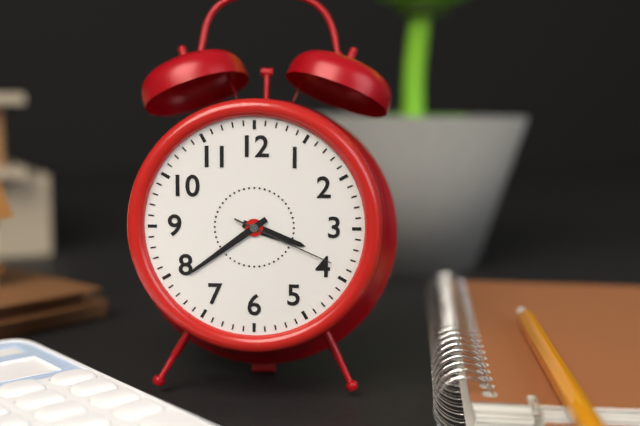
3:39:19
